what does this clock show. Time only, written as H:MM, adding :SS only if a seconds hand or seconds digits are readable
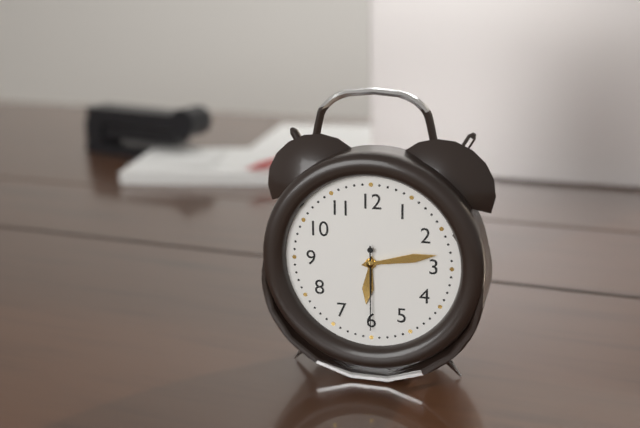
6:13:30
